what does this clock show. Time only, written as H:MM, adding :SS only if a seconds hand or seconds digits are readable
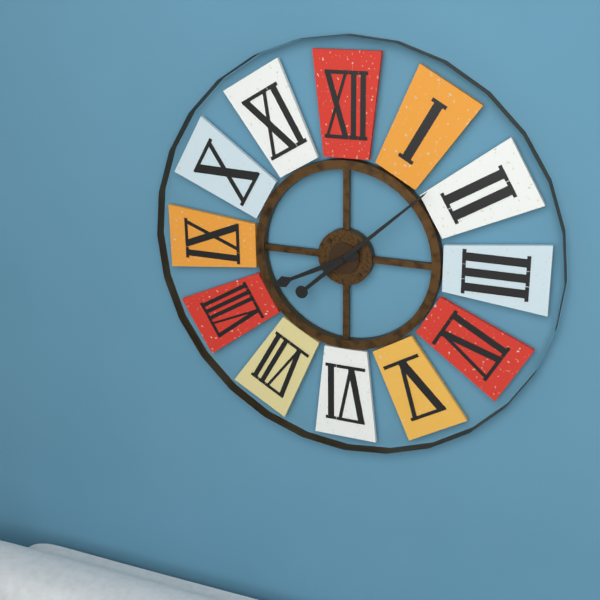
8:08
